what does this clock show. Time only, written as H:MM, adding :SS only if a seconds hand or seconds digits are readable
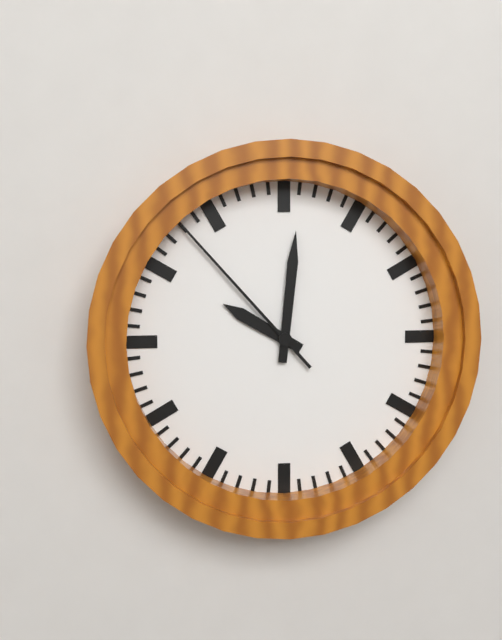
10:01:53
